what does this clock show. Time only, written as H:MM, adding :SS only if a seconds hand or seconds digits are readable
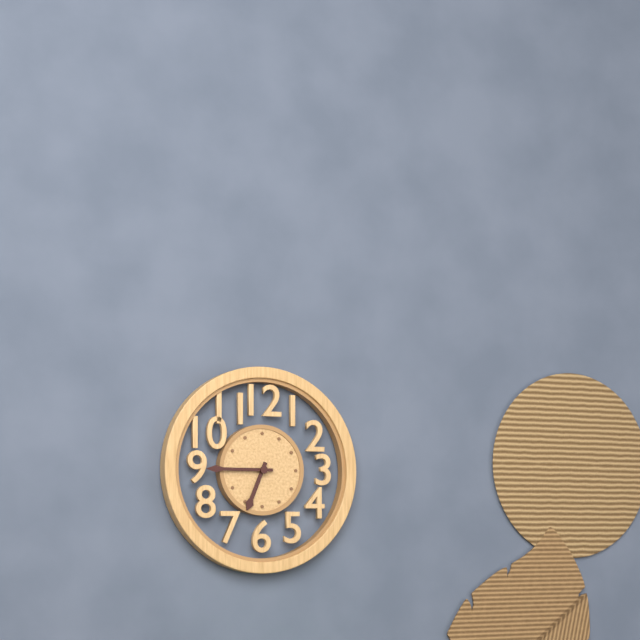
6:45
